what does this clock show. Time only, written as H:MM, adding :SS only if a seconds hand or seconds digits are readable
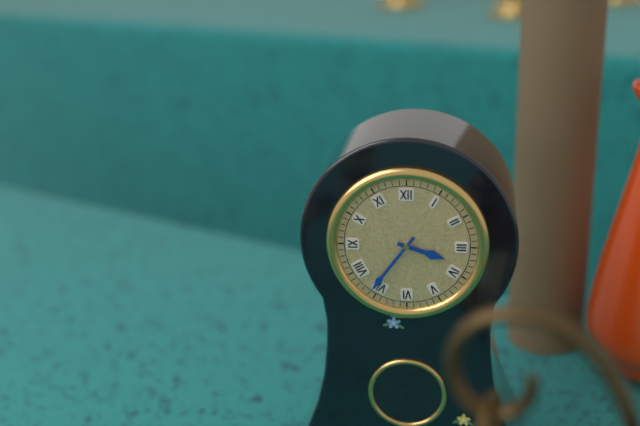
3:36
